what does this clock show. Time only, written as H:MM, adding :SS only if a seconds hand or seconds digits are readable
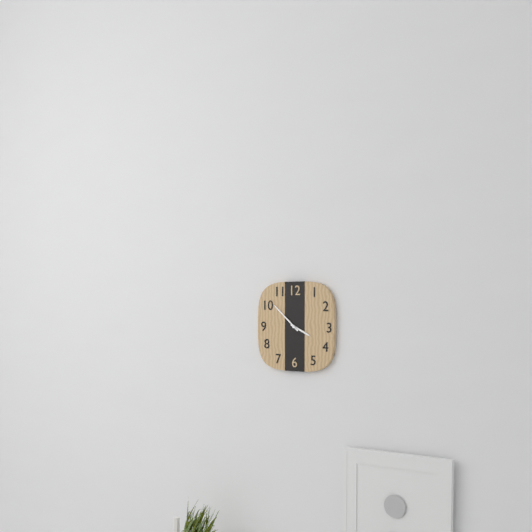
3:52
